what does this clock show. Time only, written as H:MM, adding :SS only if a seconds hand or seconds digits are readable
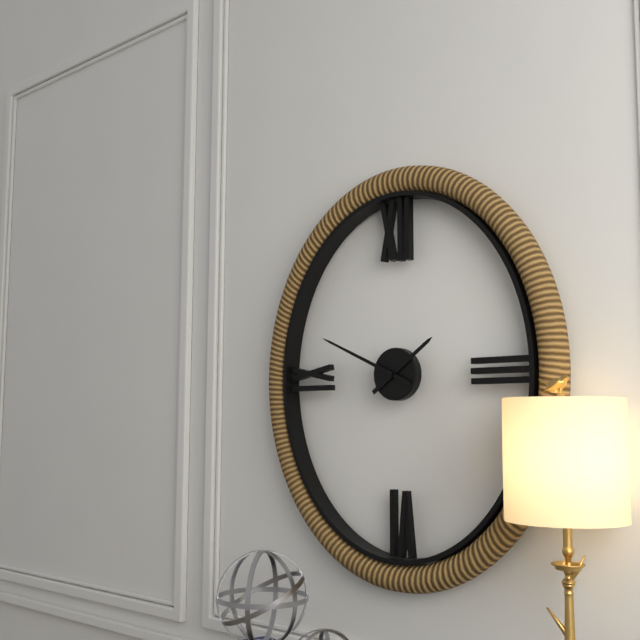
1:49
